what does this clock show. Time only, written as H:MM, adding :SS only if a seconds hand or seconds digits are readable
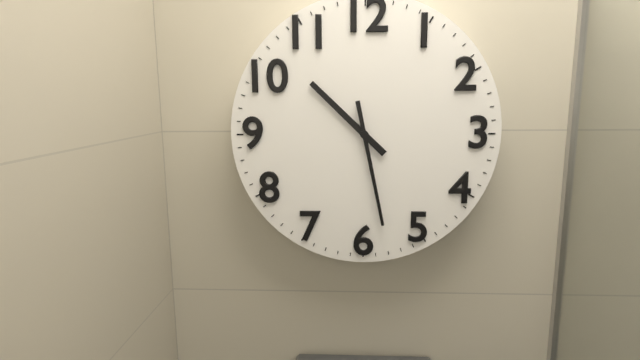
10:28
